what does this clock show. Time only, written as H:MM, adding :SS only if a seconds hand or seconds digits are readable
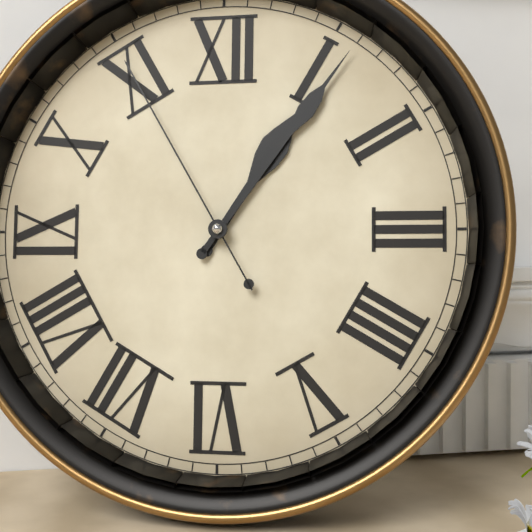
1:06:55
